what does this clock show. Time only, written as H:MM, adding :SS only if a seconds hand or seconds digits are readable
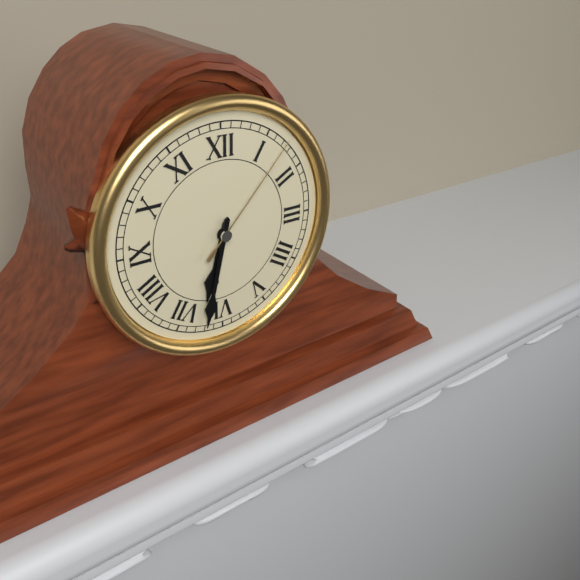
6:32:07
